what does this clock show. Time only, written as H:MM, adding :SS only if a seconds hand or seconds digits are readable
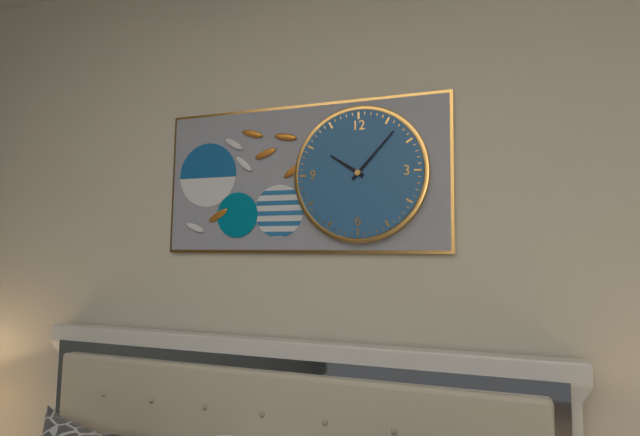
10:07
